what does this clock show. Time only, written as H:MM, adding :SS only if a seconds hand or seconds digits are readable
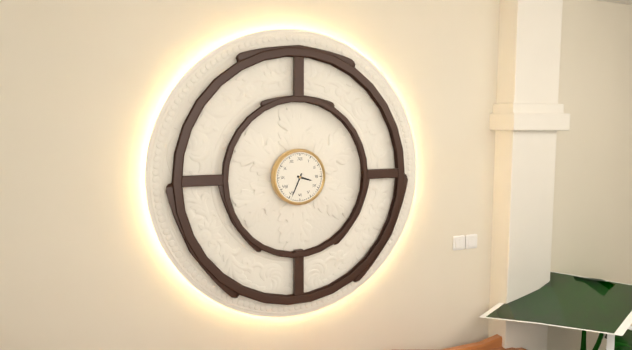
3:34
